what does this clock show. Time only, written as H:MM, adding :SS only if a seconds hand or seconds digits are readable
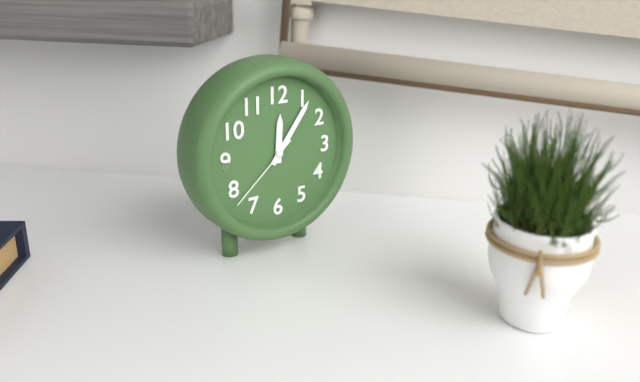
12:06:38
